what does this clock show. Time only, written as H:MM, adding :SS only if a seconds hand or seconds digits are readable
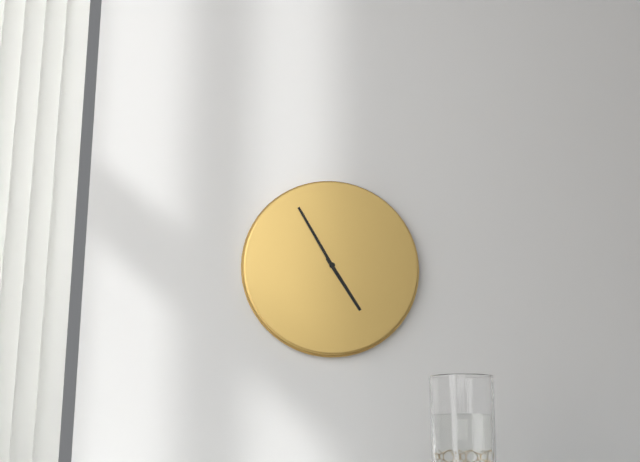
4:55
